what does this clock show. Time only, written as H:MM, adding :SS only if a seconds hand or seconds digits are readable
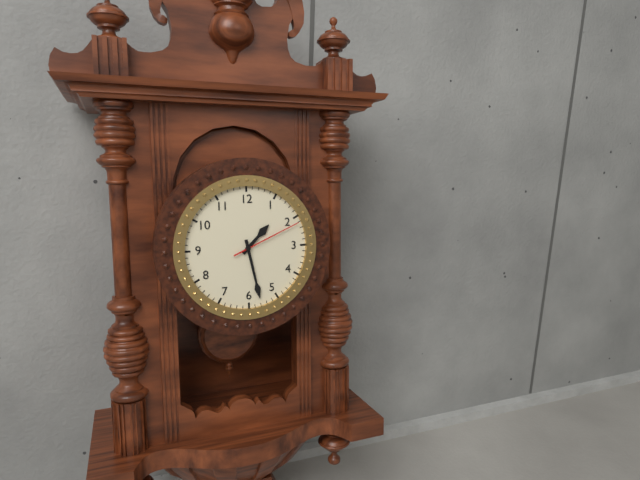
1:28:11
